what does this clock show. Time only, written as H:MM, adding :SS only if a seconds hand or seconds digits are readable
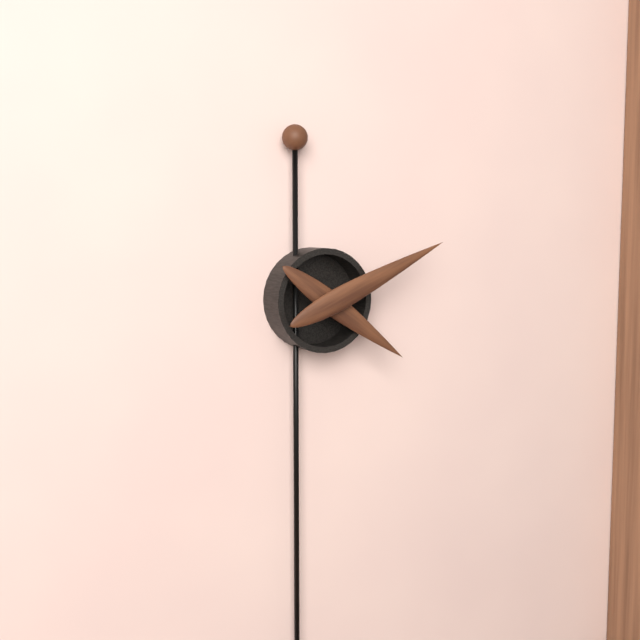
4:11
